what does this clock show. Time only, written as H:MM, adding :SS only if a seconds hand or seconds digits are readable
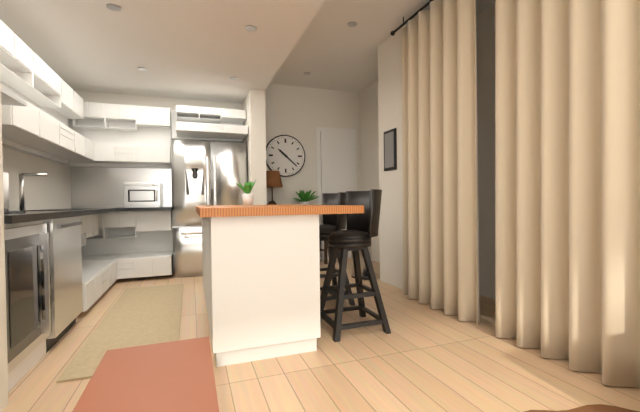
10:22
